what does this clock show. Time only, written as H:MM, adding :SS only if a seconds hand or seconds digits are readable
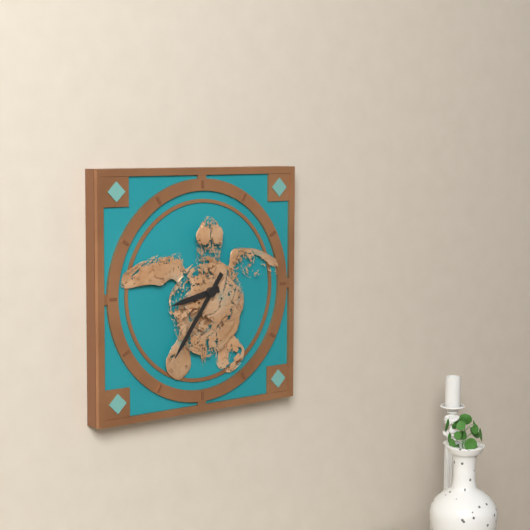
8:36
